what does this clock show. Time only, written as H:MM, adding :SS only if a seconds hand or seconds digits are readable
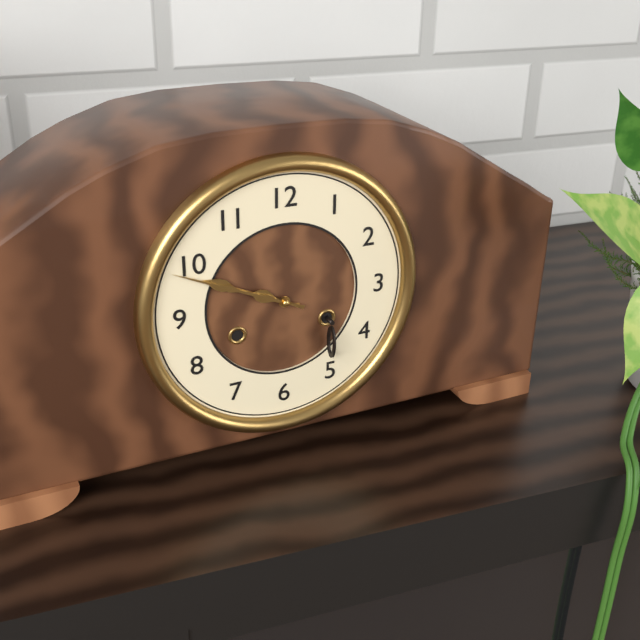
9:49
